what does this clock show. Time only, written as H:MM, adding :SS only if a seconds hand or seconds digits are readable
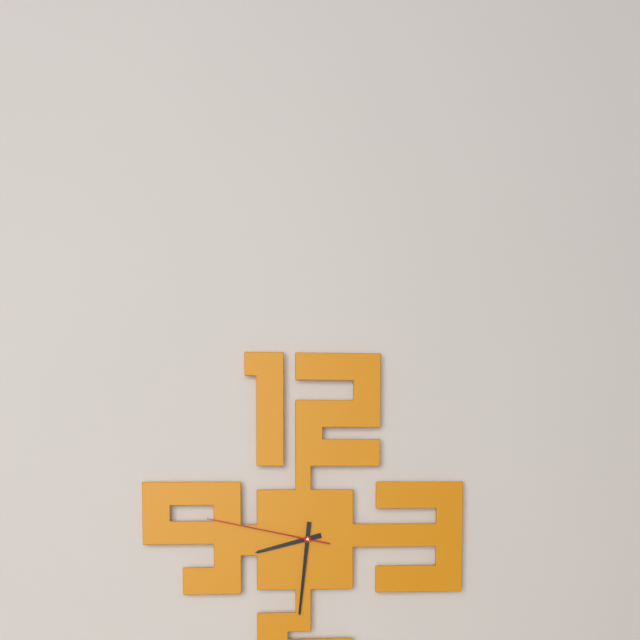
8:31:47
